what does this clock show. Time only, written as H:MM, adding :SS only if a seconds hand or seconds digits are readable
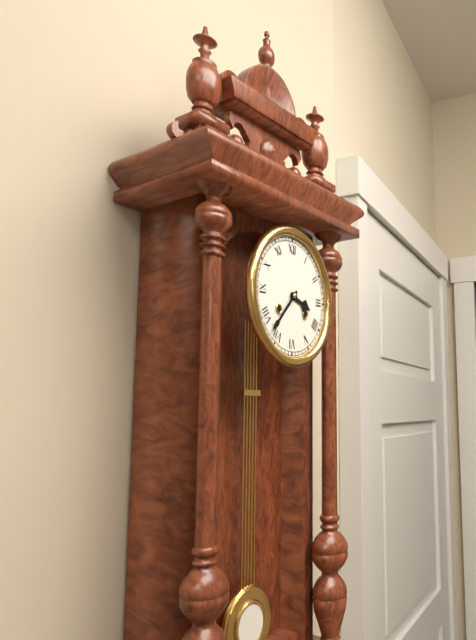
3:37
